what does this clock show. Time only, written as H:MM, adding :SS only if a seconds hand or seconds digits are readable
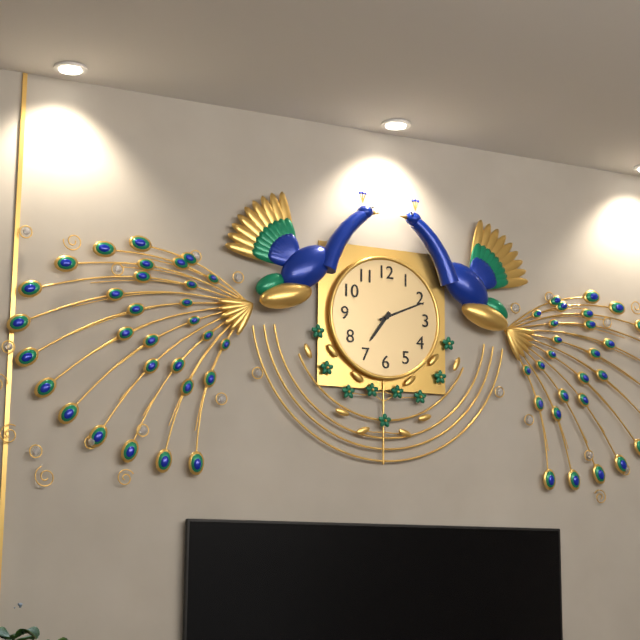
7:11
